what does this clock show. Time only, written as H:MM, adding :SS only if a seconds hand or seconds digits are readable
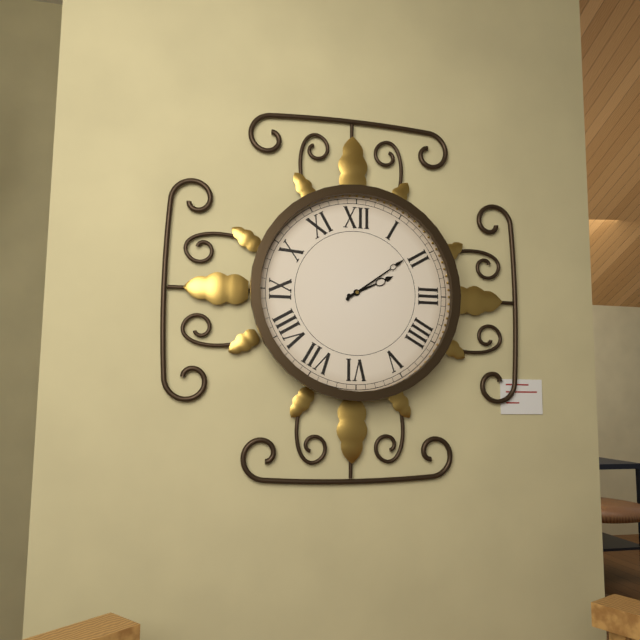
2:09
